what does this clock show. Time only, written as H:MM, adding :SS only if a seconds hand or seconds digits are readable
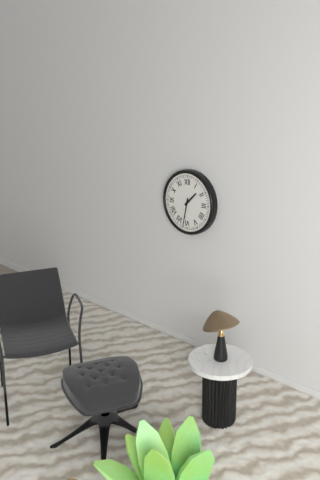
1:32
